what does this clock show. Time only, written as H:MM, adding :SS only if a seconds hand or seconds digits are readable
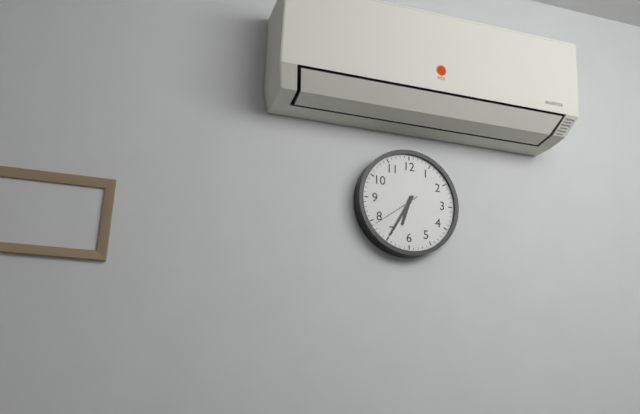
6:35
